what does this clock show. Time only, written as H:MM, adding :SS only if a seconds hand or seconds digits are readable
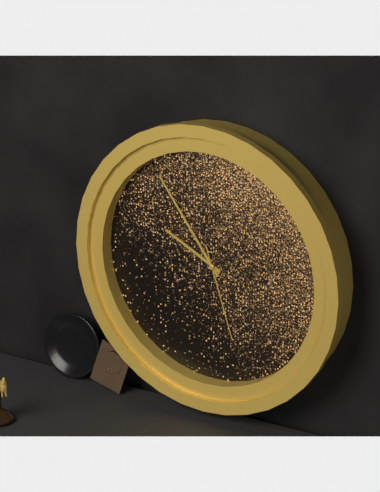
9:54:27
